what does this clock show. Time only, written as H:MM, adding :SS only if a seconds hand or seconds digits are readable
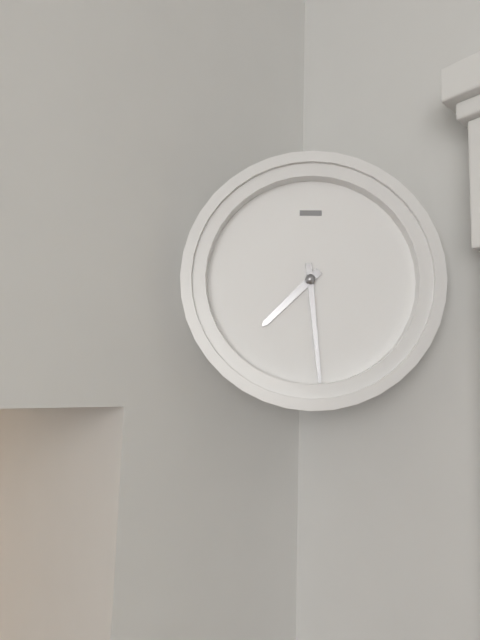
7:29
